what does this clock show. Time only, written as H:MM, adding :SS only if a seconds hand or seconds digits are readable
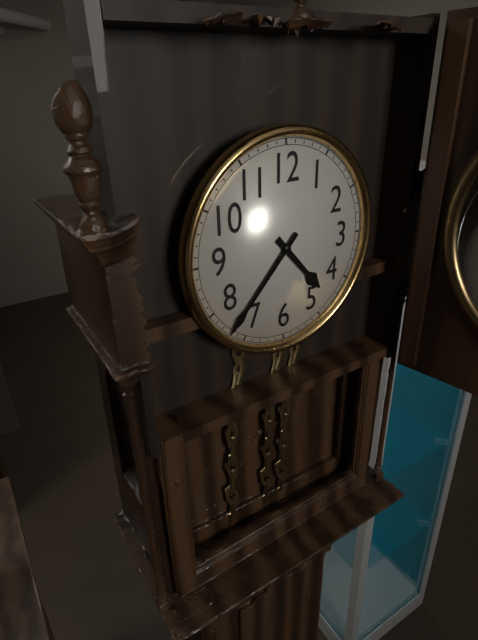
4:37
